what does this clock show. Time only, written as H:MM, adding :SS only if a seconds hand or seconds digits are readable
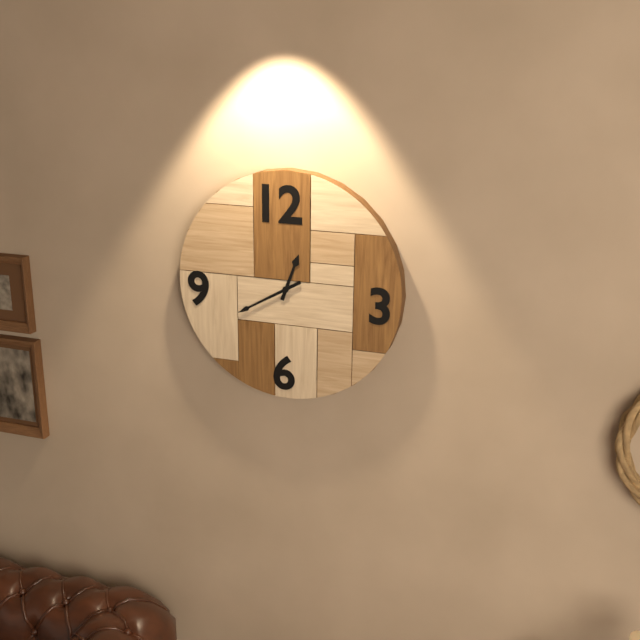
12:40
